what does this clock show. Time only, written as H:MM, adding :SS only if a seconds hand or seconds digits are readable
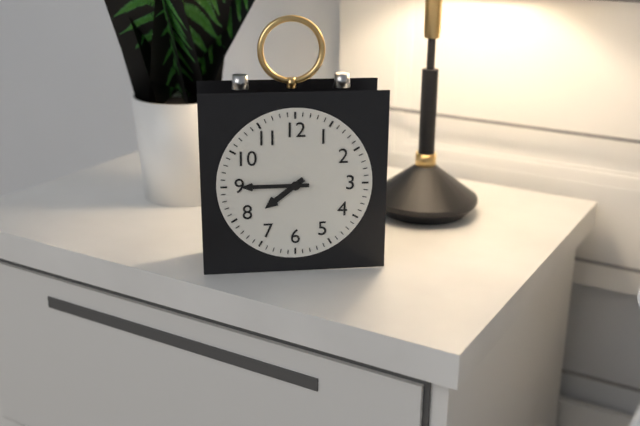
7:45
